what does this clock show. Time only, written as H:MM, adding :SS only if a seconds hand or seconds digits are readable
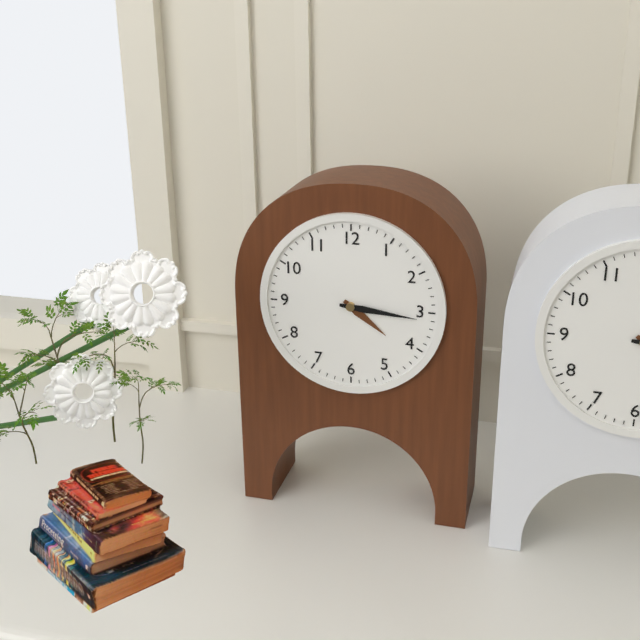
4:16
